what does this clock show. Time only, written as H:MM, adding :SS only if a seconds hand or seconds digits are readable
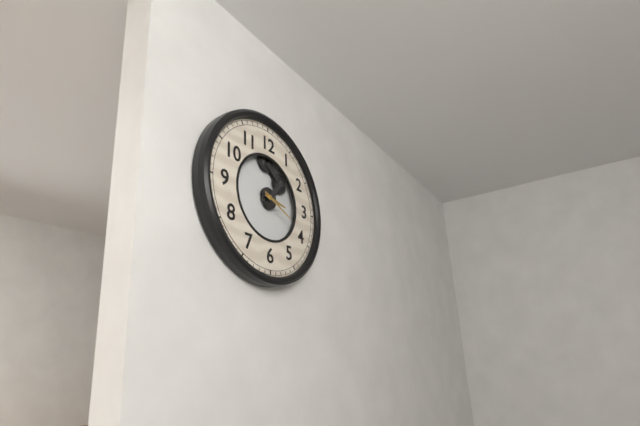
3:19
